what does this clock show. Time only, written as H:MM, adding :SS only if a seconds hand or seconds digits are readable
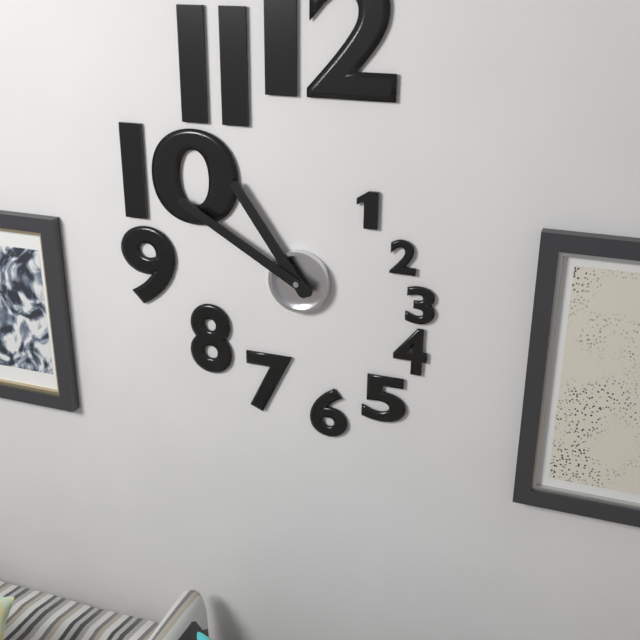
10:50
